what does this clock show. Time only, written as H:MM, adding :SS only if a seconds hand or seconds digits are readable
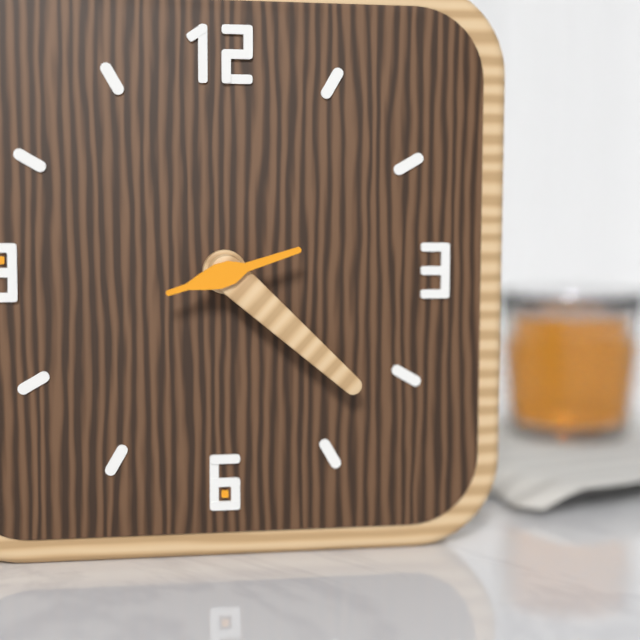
4:22:12
